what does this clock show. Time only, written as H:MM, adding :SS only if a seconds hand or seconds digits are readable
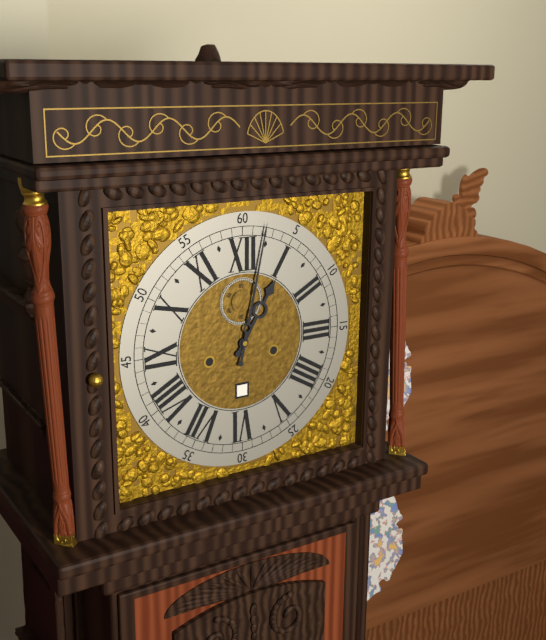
1:02
